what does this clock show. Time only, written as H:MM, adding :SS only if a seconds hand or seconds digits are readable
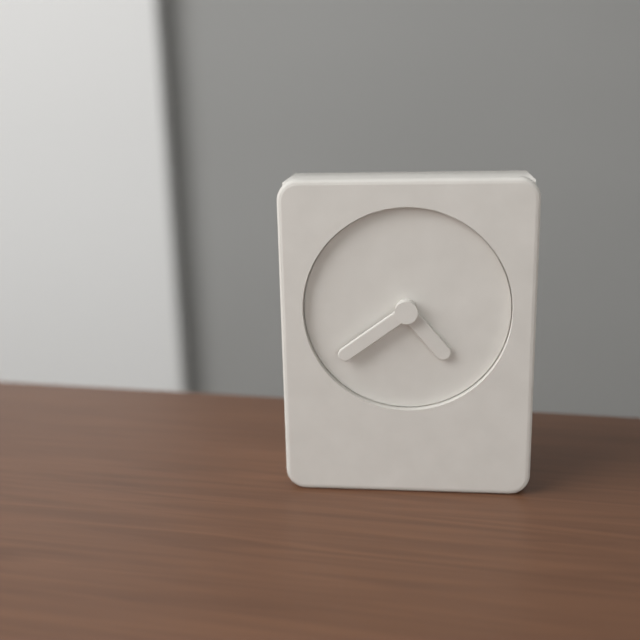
4:39
